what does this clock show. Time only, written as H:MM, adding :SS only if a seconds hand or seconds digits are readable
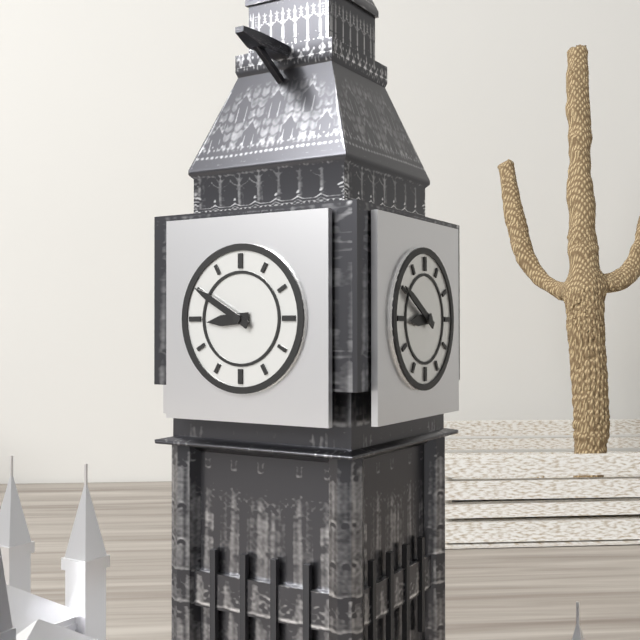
8:50
